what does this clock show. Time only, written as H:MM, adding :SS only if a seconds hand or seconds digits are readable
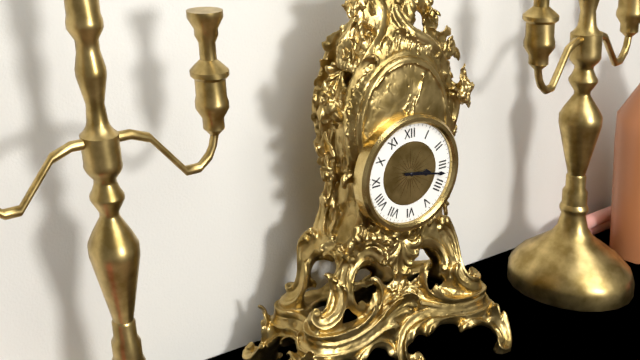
3:17
